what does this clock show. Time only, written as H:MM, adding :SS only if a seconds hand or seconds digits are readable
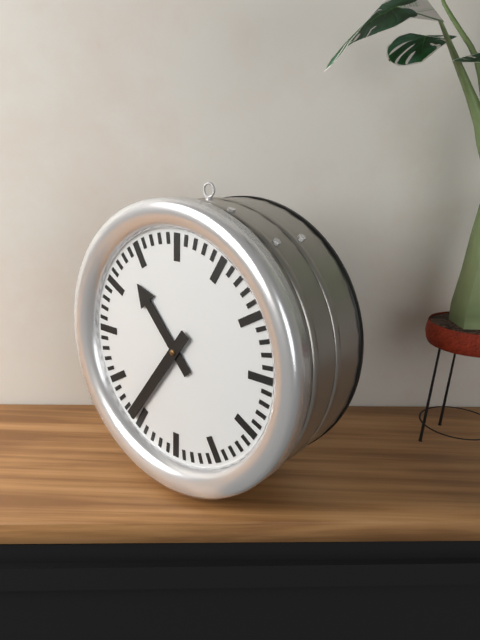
10:36
